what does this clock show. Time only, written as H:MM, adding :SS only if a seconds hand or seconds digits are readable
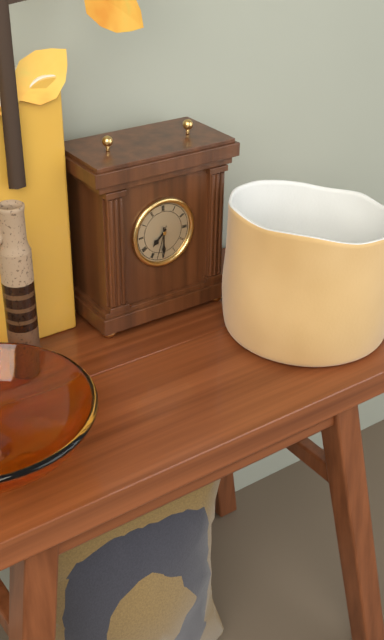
7:30
